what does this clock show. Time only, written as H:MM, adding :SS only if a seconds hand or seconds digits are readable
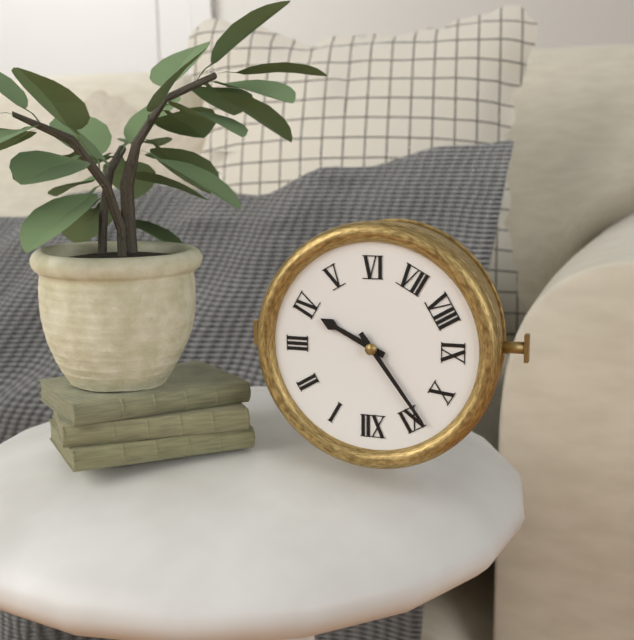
3:54
